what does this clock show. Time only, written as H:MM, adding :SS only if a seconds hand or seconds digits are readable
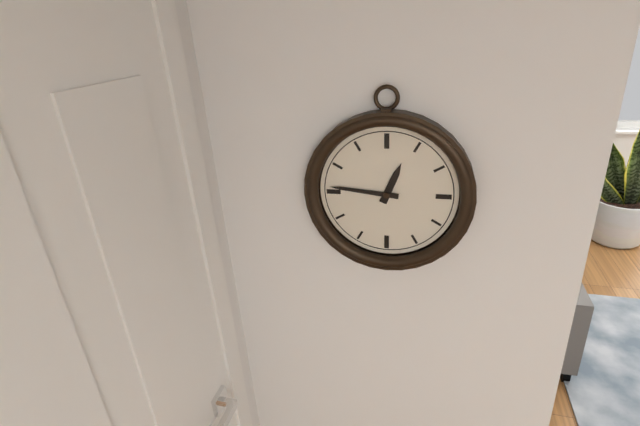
12:46
